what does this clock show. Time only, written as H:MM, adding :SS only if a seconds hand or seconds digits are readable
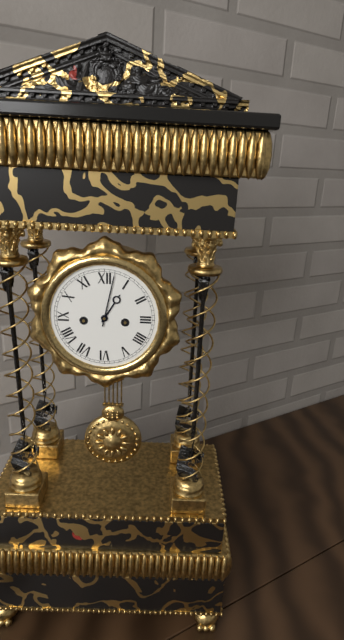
1:02
